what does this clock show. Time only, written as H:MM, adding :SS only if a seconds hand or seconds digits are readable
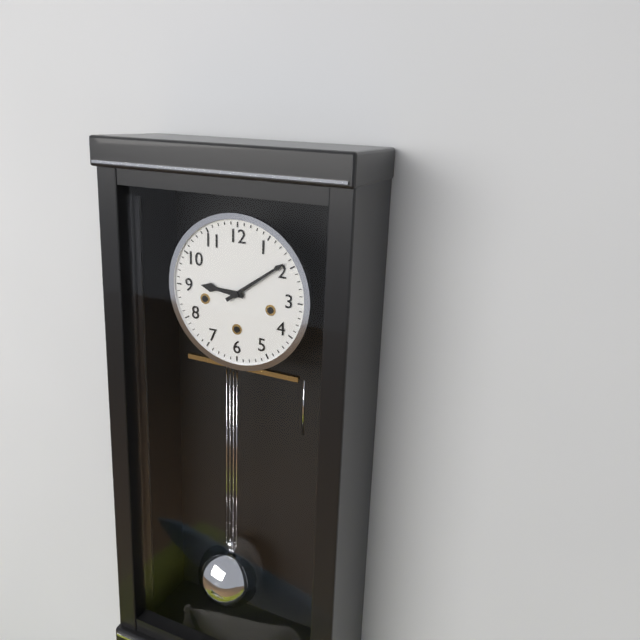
9:09
